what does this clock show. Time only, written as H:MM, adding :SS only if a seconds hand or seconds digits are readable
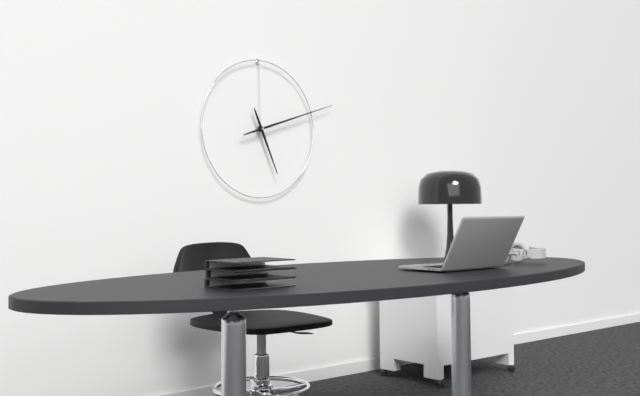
5:12
